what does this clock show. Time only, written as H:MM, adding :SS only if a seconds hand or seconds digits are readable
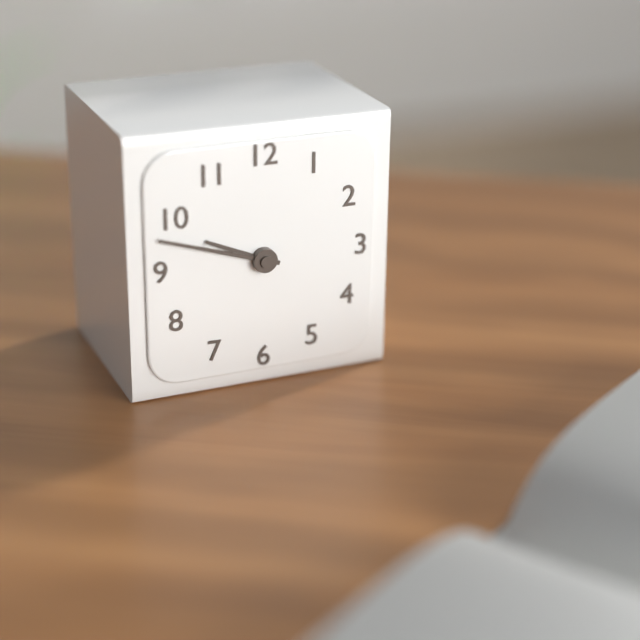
9:48
